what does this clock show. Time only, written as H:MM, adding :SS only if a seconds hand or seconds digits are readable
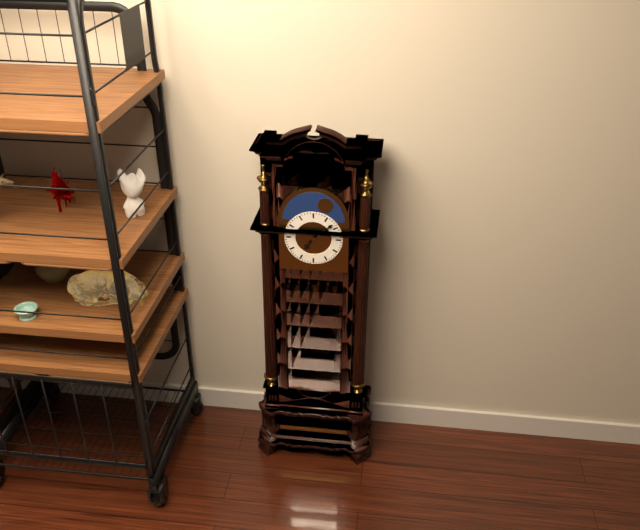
7:08
